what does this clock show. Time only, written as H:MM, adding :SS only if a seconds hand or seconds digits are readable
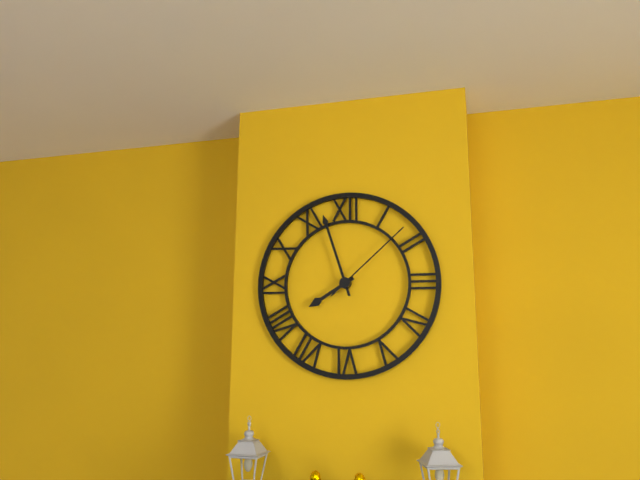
7:57:08
